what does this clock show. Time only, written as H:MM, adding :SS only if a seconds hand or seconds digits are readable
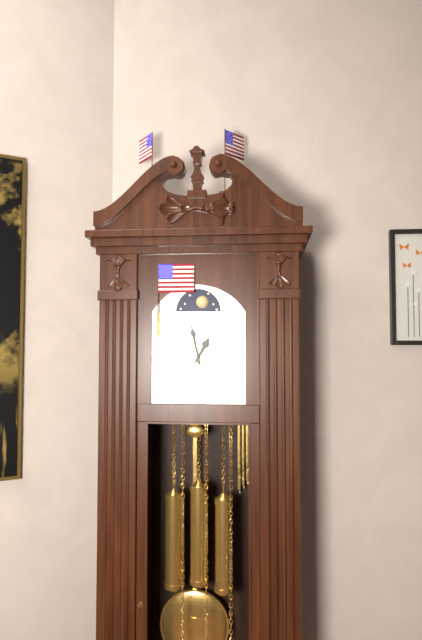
12:58
